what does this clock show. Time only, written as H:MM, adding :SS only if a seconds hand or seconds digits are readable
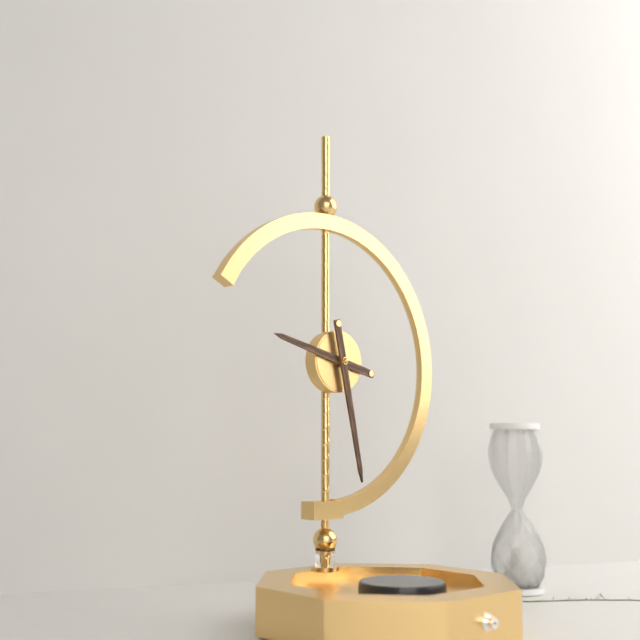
9:28
